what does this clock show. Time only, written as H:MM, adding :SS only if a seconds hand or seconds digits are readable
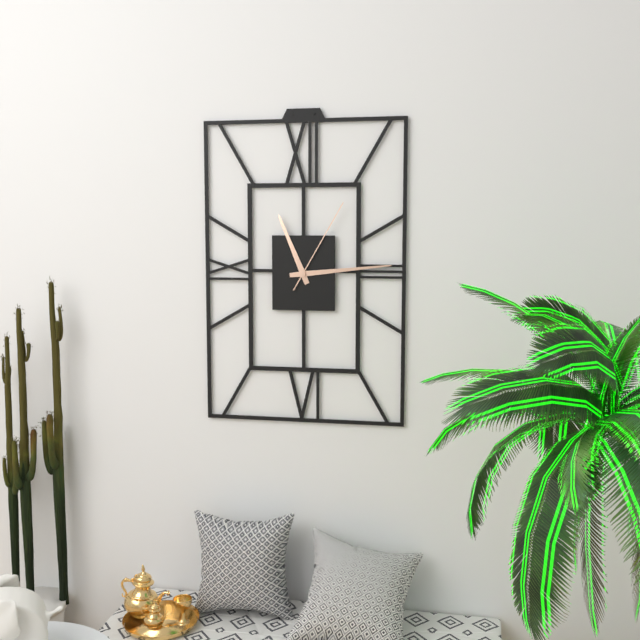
11:14:05
